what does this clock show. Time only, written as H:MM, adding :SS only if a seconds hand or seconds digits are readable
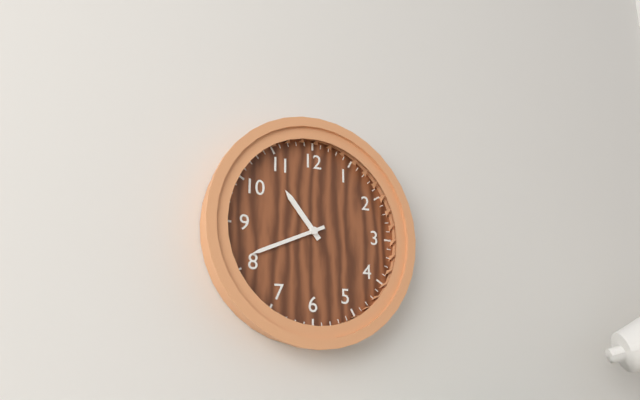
10:41
